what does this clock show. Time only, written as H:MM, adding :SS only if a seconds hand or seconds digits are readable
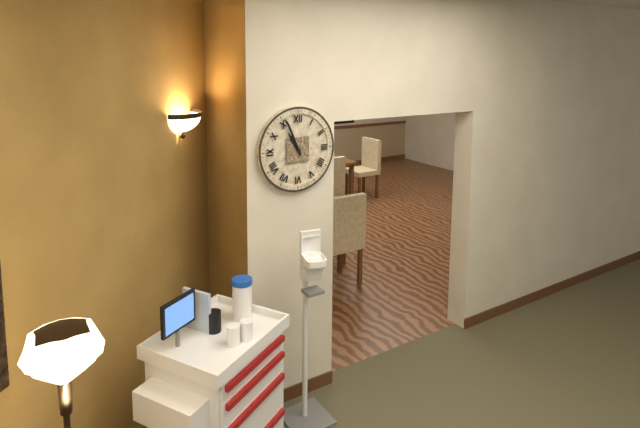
10:56
